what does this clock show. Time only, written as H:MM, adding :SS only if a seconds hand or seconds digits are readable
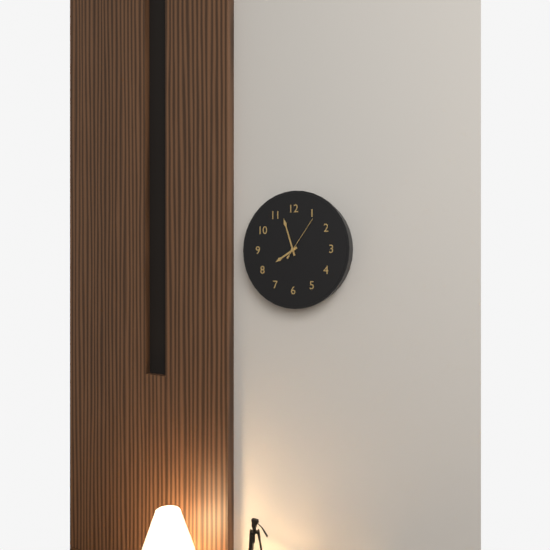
7:57
